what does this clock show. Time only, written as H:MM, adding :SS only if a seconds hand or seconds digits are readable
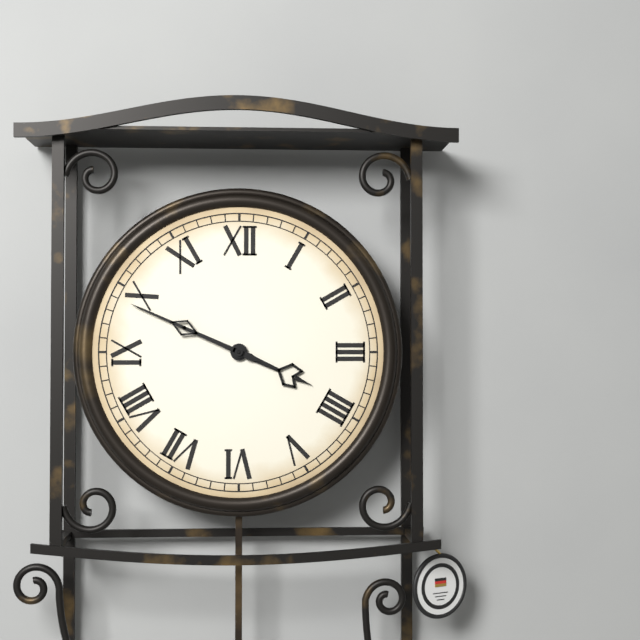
3:49
